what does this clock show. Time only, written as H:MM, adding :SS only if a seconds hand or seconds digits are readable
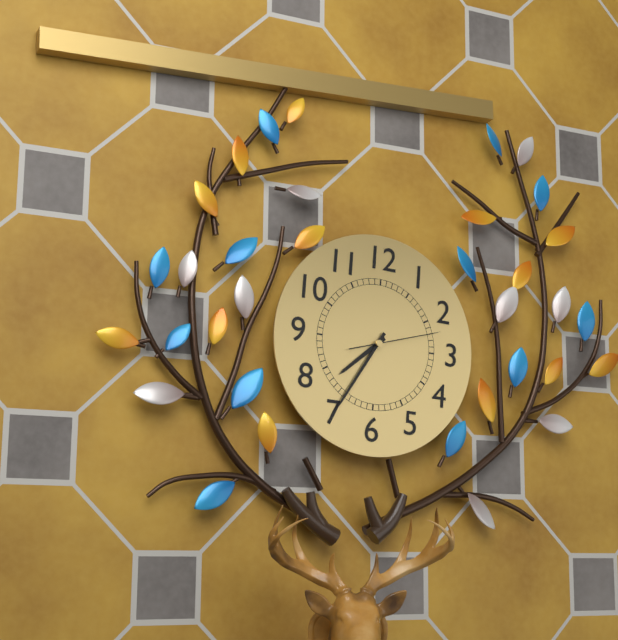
7:35:12
